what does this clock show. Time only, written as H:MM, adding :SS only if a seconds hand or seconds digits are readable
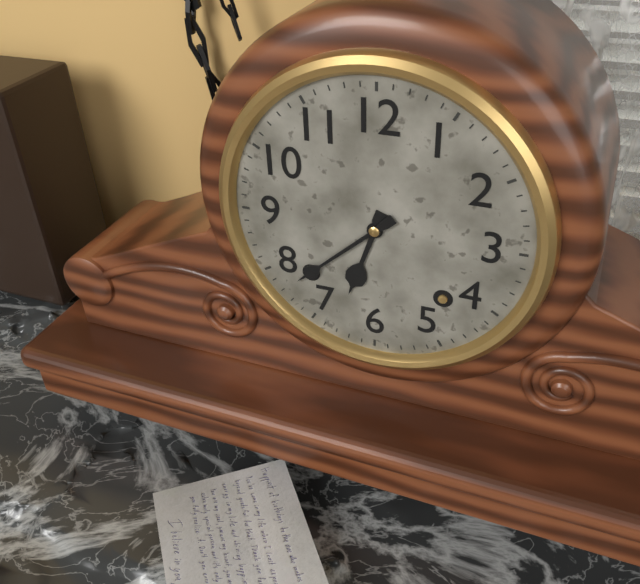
6:38
